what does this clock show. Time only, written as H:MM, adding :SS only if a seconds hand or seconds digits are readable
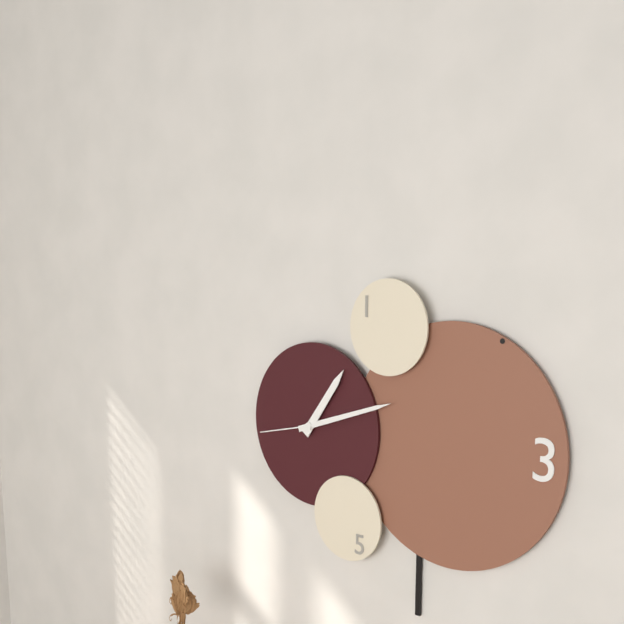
1:12:43
